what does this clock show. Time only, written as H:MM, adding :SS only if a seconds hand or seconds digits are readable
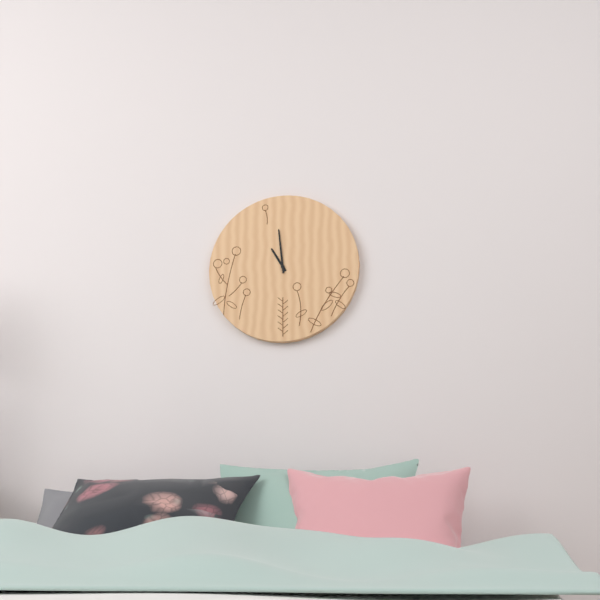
10:59
